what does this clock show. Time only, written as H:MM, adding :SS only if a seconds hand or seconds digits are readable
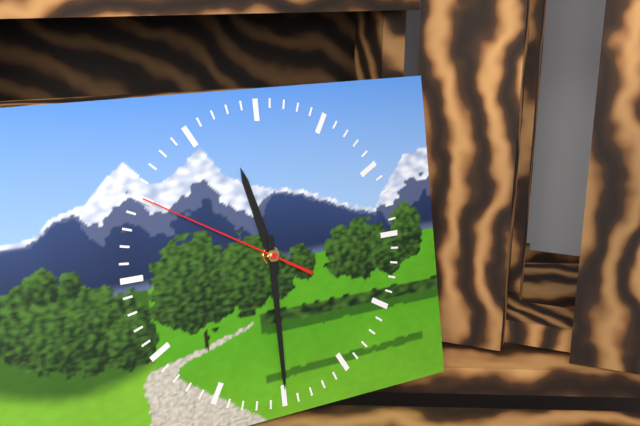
11:30:50
